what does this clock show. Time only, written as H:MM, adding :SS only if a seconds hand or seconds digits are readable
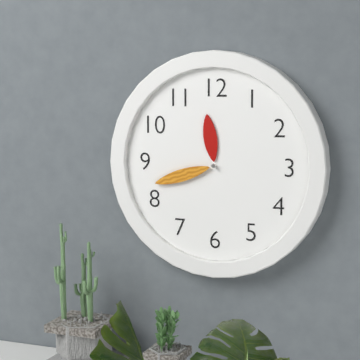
11:42
